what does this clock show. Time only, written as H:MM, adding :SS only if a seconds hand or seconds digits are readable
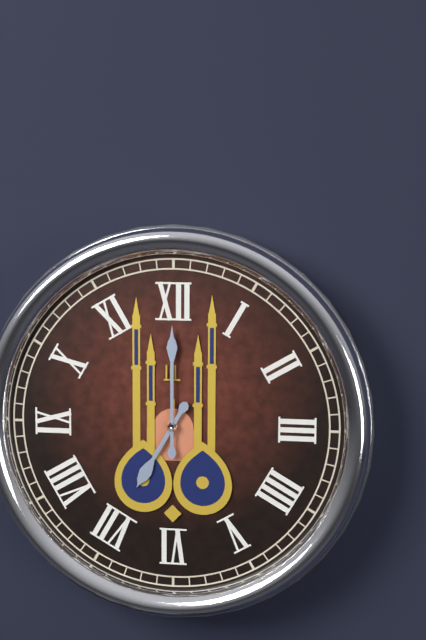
7:00
